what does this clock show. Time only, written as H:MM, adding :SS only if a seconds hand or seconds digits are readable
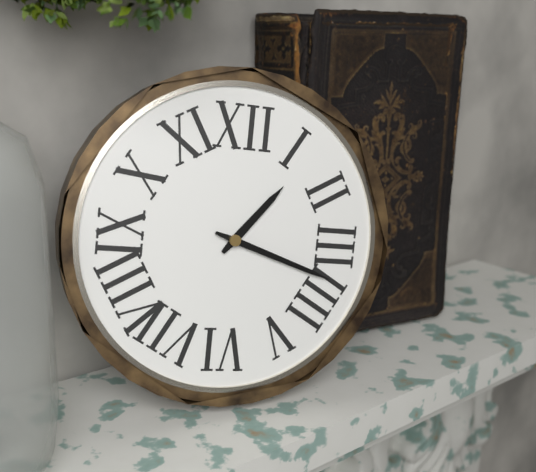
1:18
